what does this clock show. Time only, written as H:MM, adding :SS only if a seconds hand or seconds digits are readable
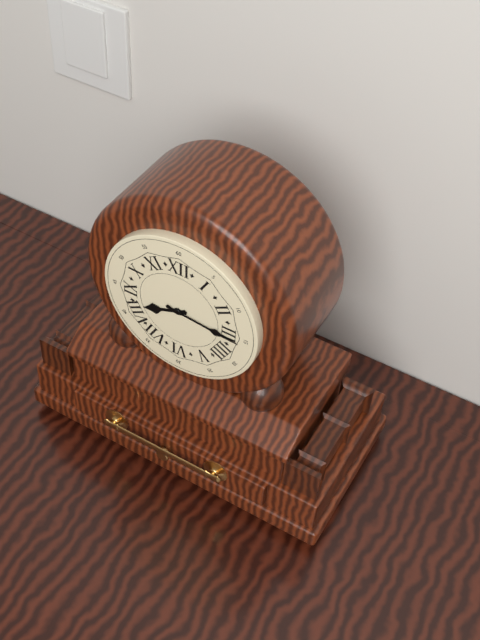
8:16
